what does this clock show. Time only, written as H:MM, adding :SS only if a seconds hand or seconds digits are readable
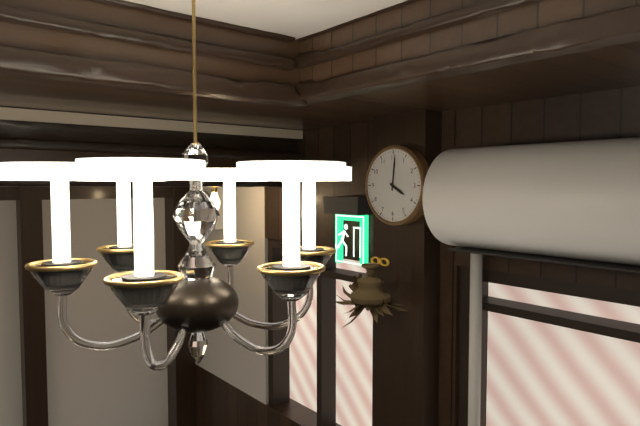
4:01
